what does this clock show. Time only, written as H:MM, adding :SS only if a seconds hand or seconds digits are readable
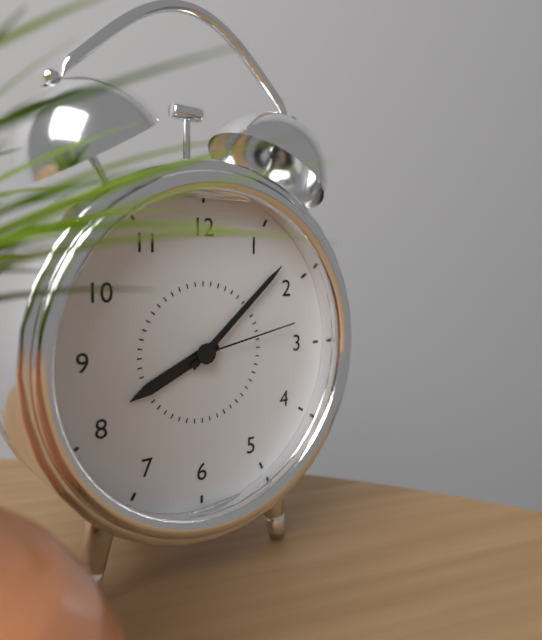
8:08:13
